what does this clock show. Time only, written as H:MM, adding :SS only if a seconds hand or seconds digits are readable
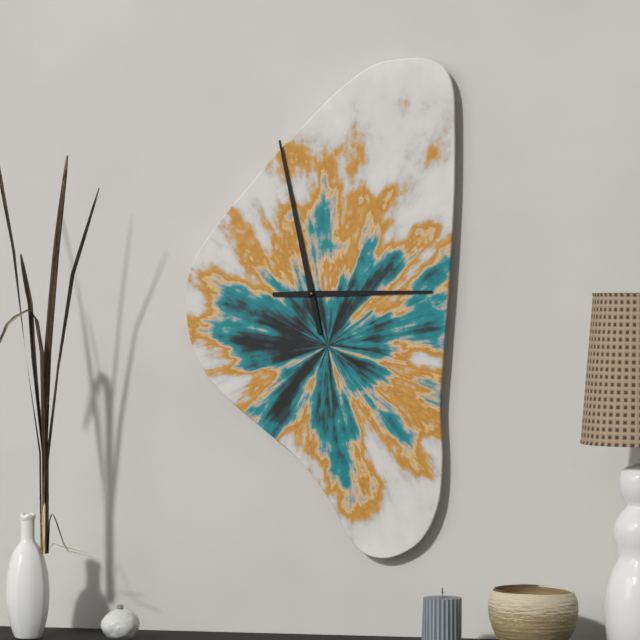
2:58
